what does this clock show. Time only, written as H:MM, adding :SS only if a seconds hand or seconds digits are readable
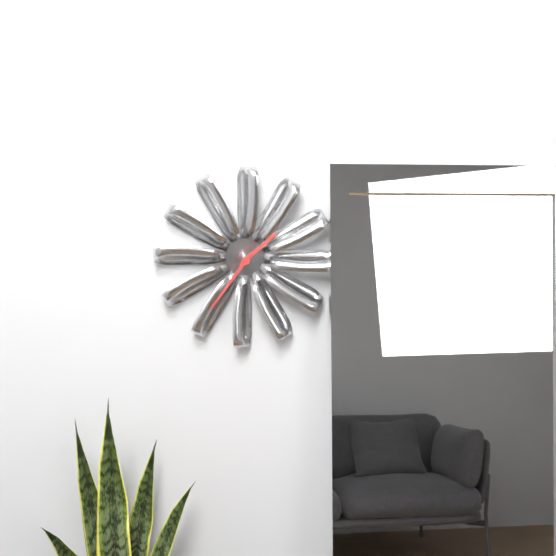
1:36
